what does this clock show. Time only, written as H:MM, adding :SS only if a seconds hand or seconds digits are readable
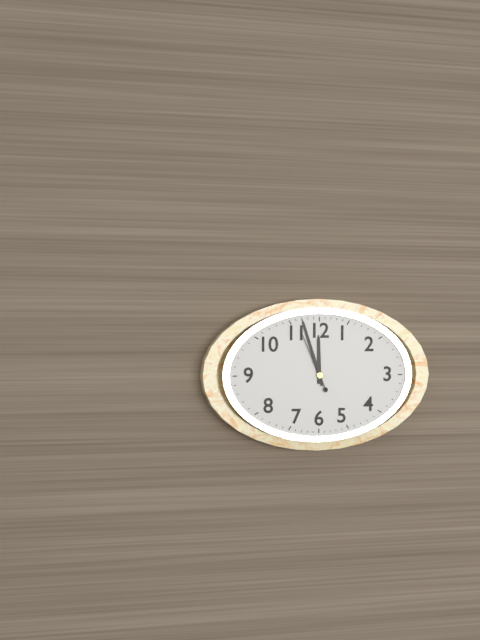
11:57:56
